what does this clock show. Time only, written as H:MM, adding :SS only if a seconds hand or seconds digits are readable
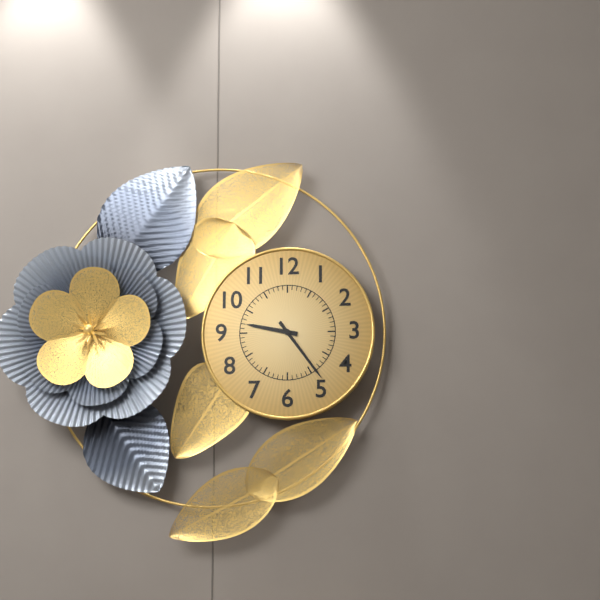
9:24
